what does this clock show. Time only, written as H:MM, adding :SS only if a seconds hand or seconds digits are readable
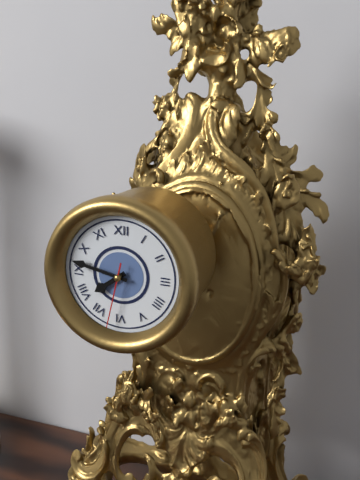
7:47:32
